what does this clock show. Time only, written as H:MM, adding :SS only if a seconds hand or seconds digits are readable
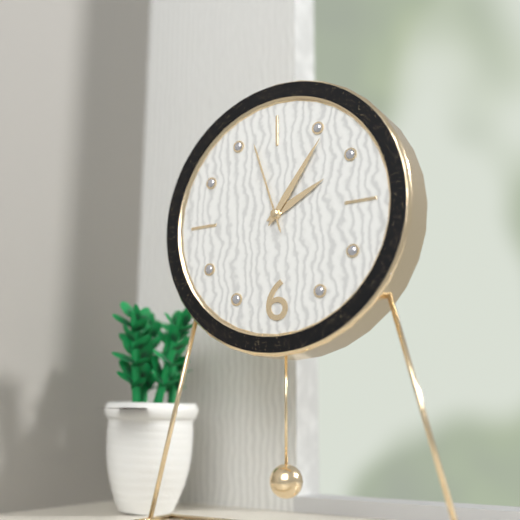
2:06:57
